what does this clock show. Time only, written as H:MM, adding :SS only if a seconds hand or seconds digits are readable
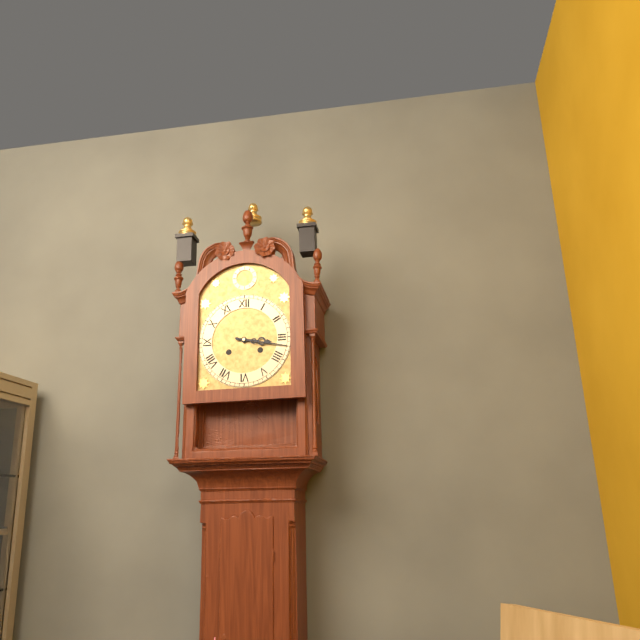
3:17
